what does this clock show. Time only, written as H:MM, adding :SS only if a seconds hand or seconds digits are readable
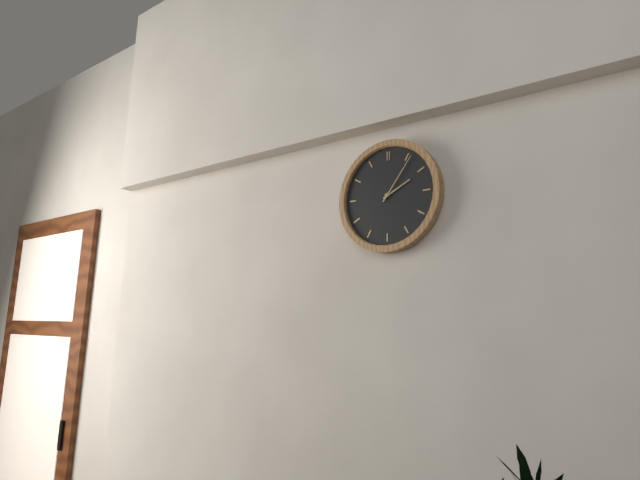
2:06
